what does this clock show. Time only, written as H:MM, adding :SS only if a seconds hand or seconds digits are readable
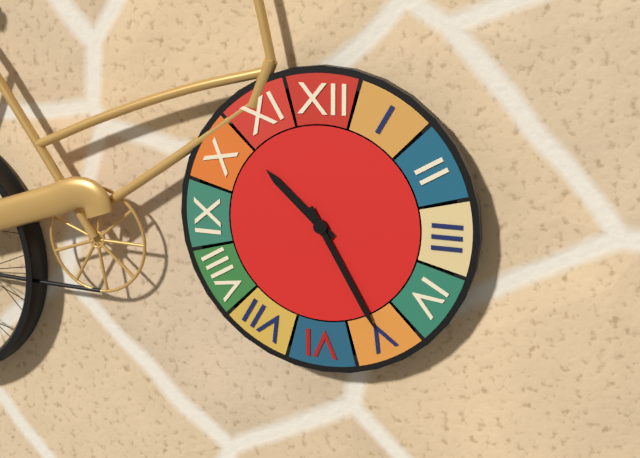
10:25
